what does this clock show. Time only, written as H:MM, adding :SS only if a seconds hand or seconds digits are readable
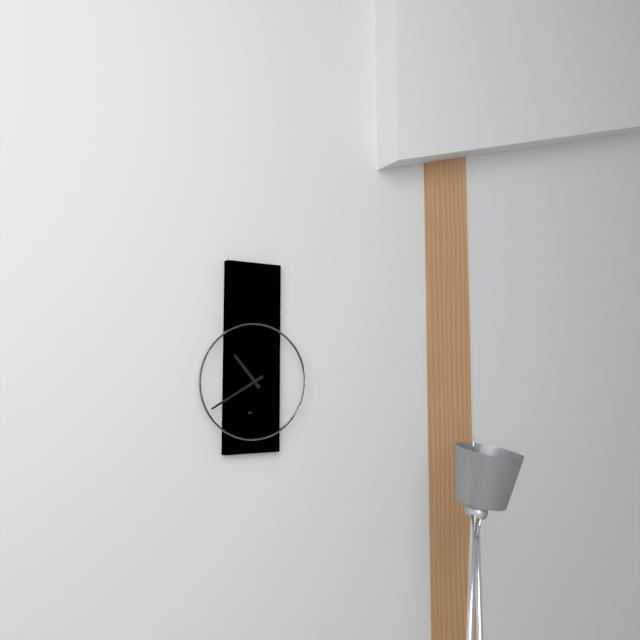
10:40
